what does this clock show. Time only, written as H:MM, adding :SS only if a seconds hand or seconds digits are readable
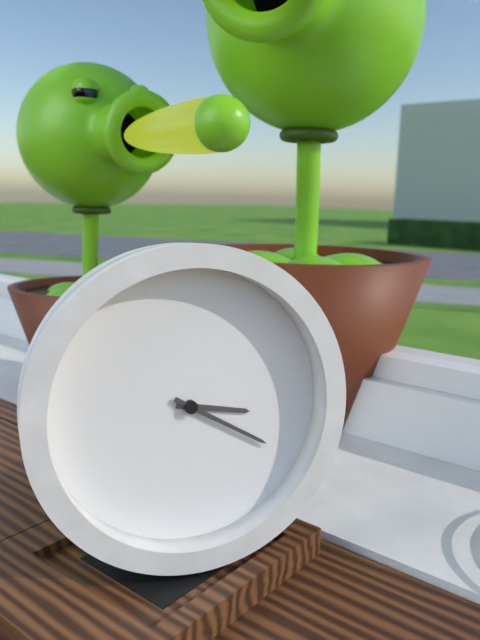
3:20
